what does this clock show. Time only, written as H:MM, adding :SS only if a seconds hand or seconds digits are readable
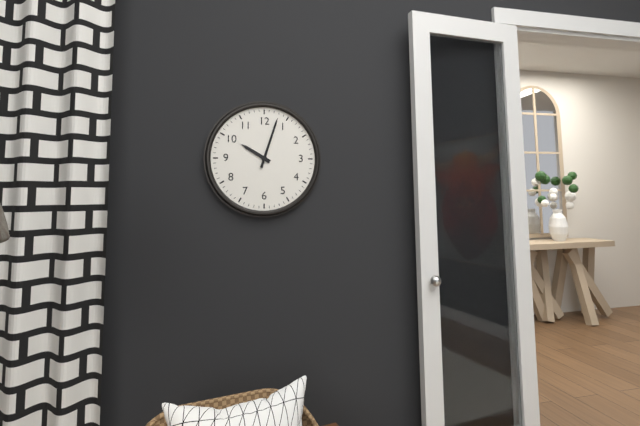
10:03
